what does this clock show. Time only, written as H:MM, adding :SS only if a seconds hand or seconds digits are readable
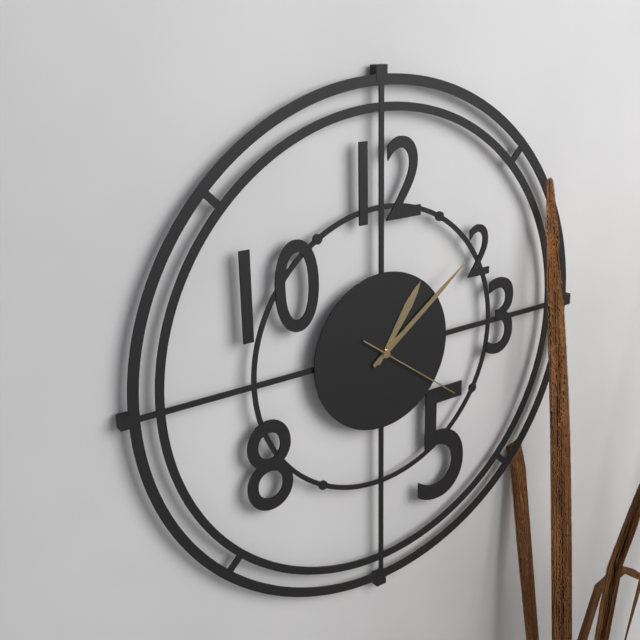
1:09:21
